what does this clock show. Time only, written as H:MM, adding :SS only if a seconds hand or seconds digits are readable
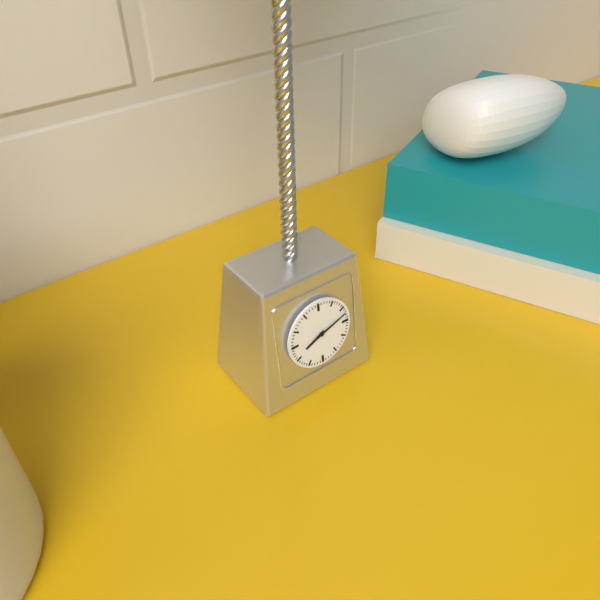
8:12
